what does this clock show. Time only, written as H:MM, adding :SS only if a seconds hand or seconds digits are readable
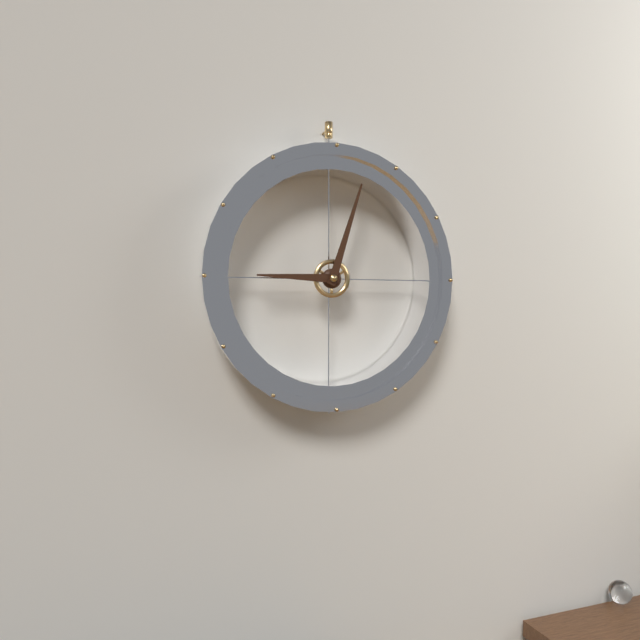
9:03
